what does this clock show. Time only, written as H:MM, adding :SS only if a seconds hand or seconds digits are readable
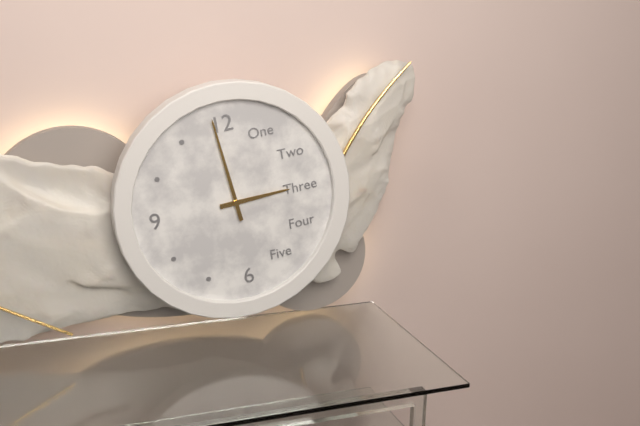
2:59
